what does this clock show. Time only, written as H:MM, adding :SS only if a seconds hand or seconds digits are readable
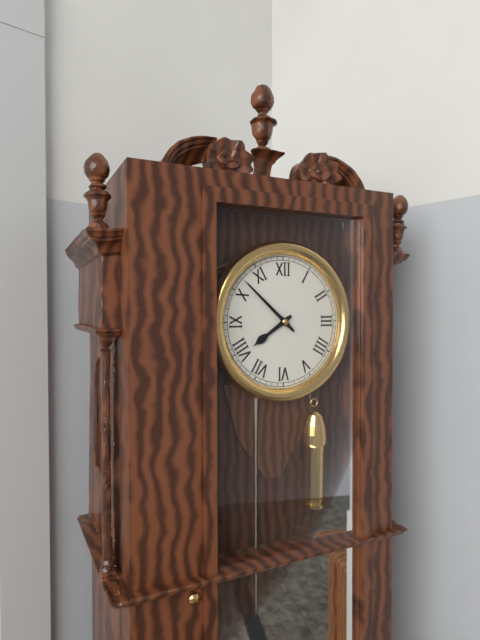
7:52
